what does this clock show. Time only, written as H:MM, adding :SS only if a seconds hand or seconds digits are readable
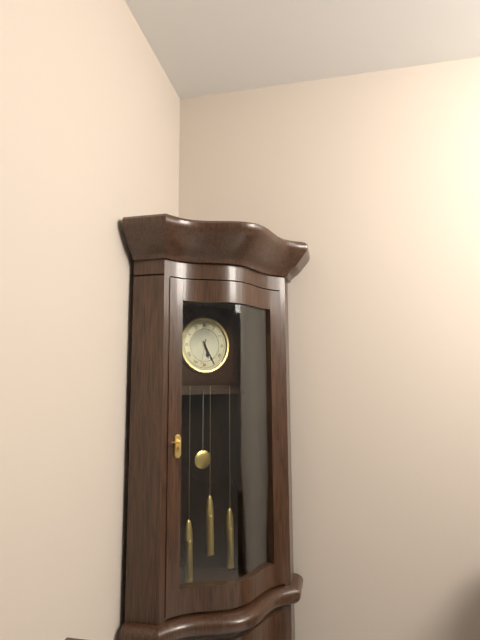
5:25
